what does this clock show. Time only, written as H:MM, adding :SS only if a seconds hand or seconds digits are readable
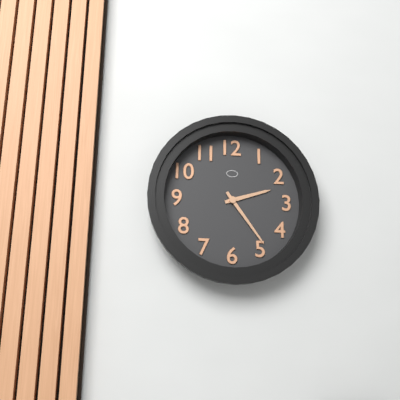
2:24
